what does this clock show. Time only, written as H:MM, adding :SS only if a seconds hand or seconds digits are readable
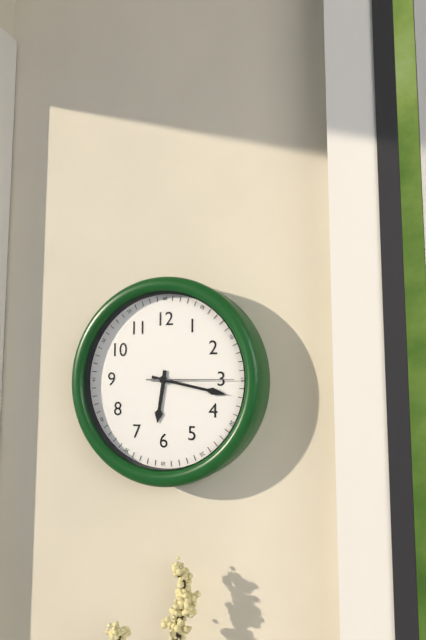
6:17:15
